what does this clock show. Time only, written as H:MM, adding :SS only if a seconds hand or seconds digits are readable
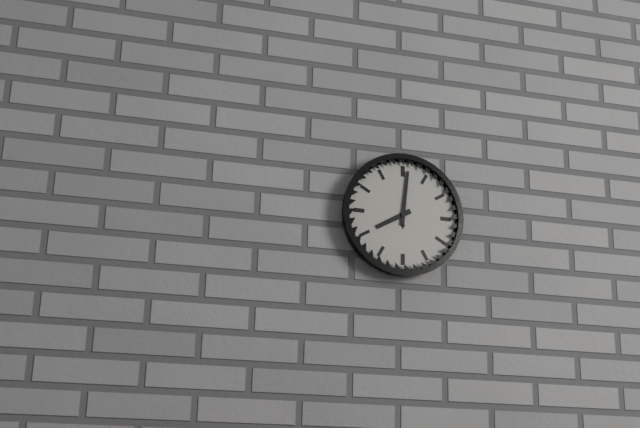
8:01
